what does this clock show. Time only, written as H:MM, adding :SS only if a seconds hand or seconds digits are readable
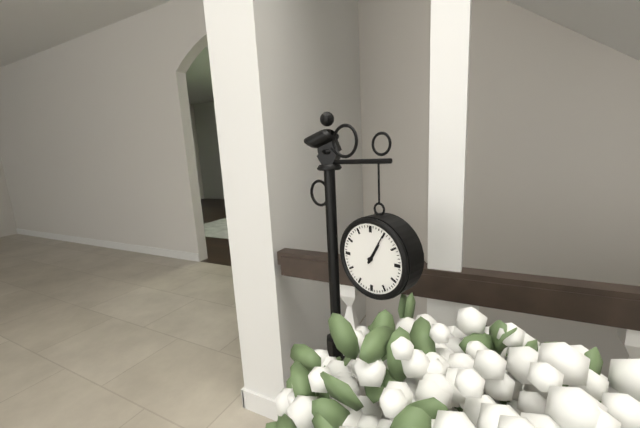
1:05
